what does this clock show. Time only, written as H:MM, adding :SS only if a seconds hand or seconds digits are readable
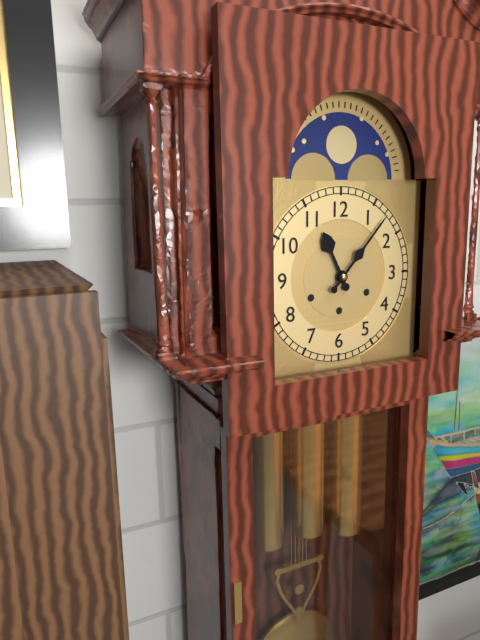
11:07
